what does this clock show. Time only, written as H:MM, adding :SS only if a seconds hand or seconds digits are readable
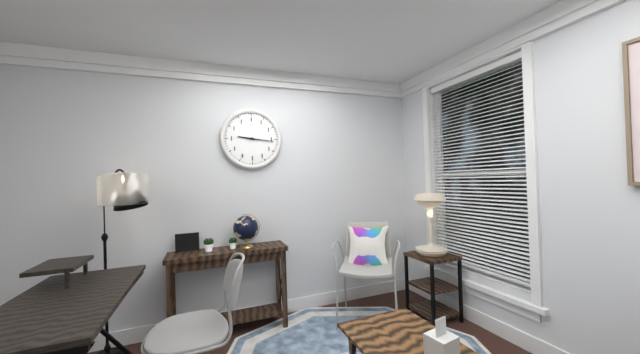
9:16
